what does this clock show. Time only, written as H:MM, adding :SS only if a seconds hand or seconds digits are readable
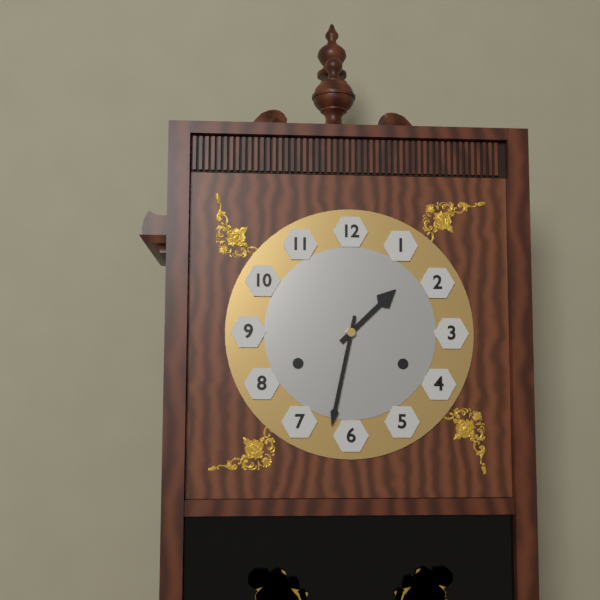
1:32
